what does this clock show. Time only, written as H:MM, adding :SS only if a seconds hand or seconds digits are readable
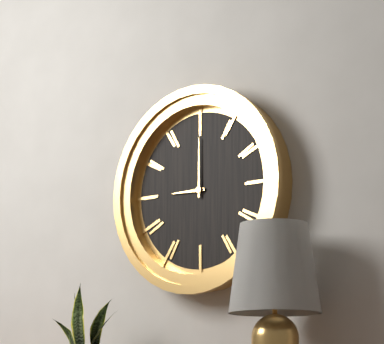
9:00
